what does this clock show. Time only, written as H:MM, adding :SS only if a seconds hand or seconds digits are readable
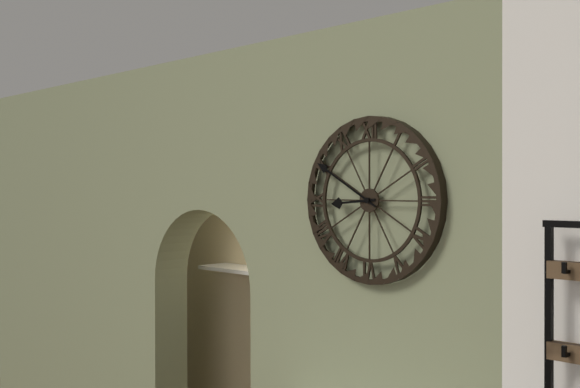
8:50
